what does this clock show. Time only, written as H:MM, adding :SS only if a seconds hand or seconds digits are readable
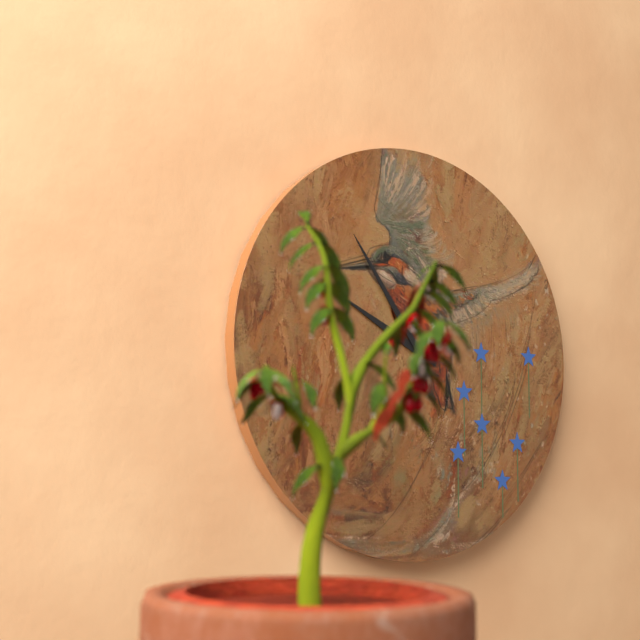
9:54
